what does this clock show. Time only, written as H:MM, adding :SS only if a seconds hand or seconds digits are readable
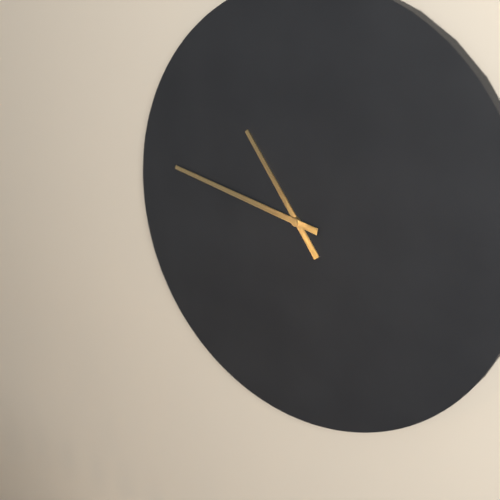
10:47
